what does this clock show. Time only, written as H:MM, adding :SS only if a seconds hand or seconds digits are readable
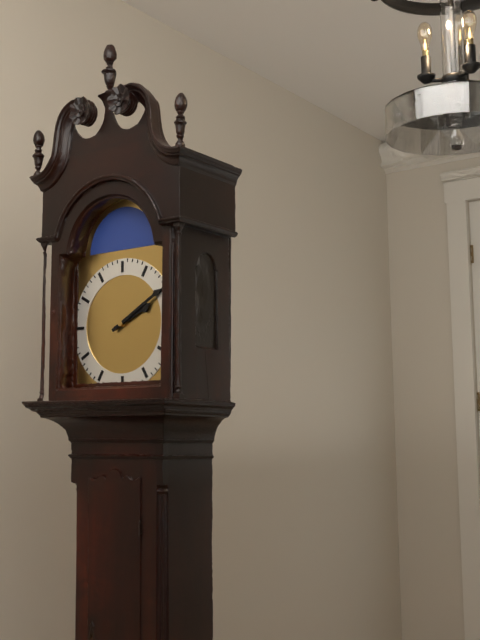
2:10
